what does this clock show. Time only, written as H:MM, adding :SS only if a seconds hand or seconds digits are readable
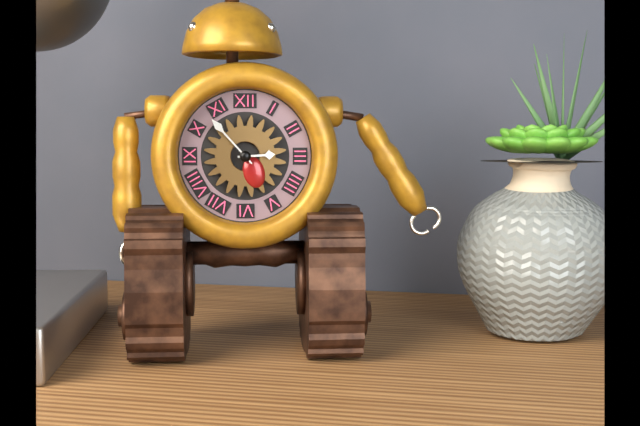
2:53
